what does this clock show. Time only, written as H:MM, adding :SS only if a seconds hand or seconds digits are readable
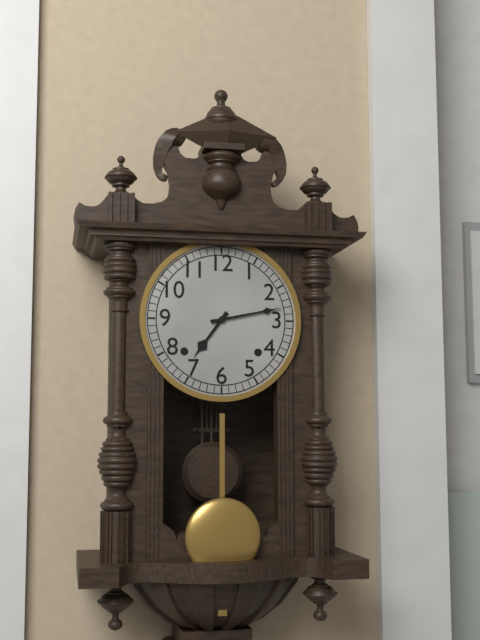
7:13
